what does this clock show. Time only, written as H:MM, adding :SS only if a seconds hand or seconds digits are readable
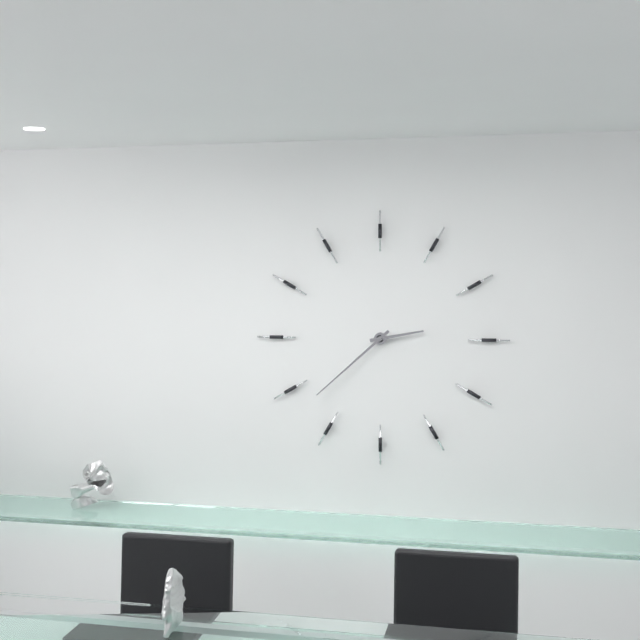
2:38
